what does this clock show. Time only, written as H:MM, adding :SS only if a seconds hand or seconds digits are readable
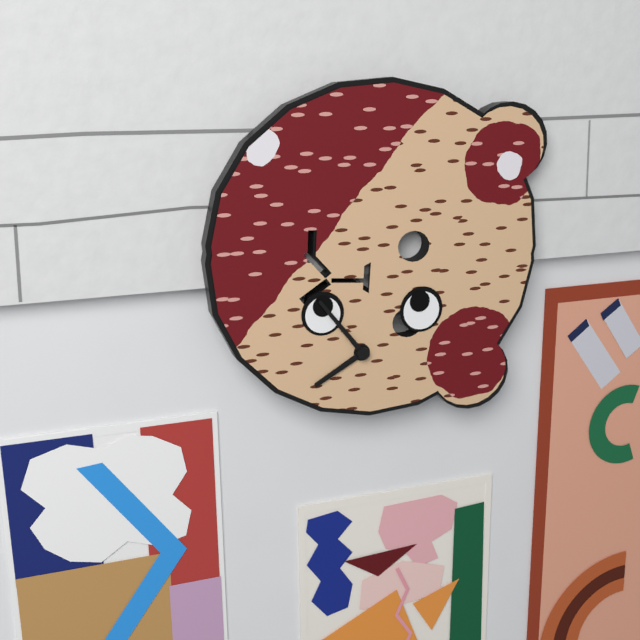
7:53
